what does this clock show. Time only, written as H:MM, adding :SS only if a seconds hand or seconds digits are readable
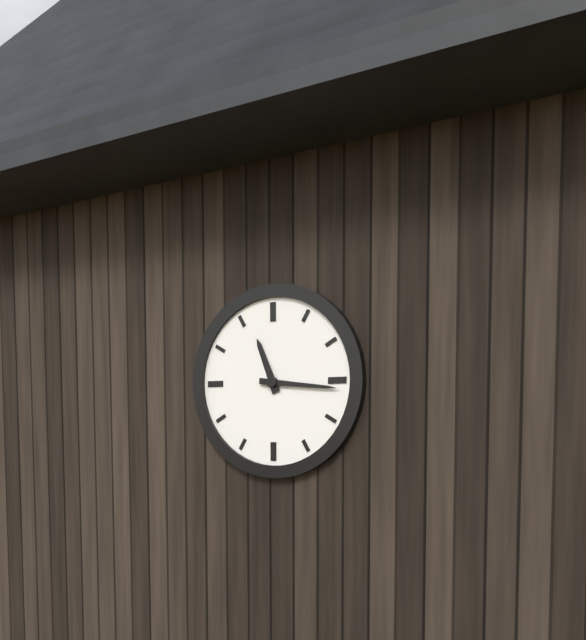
11:16
